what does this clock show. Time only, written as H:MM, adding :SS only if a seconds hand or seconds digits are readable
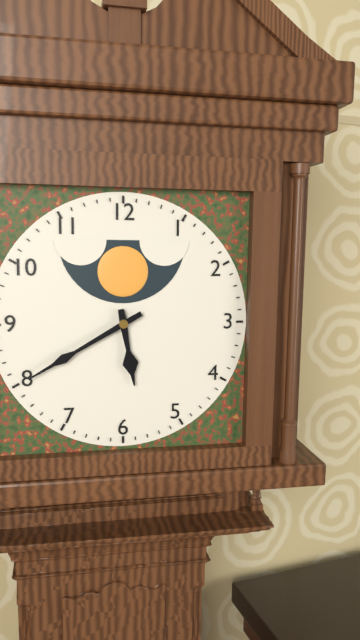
5:40
